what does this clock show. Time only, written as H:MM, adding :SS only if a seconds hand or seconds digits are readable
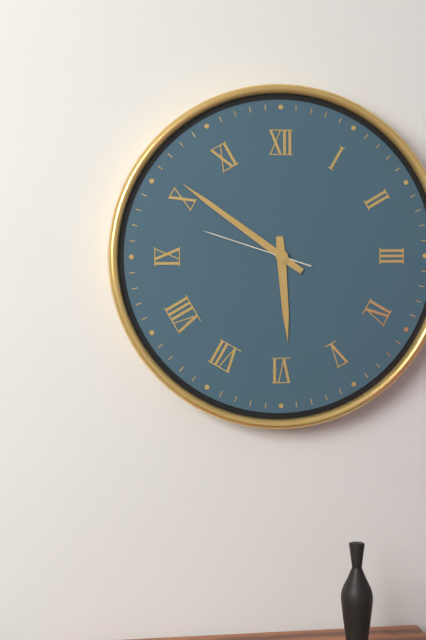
5:51:48
